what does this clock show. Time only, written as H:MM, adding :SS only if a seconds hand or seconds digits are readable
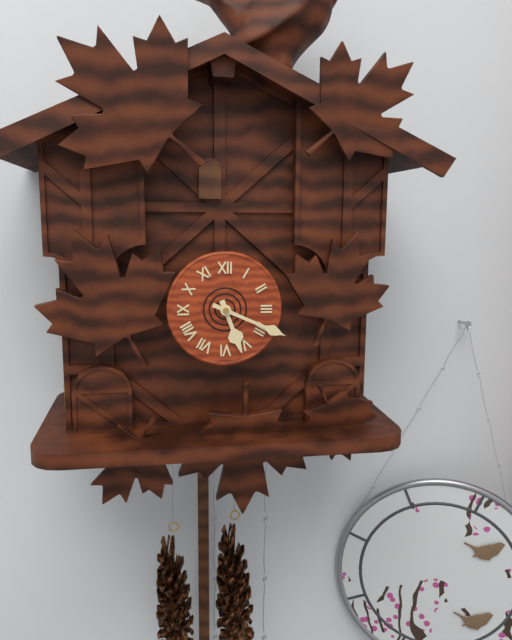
5:19
